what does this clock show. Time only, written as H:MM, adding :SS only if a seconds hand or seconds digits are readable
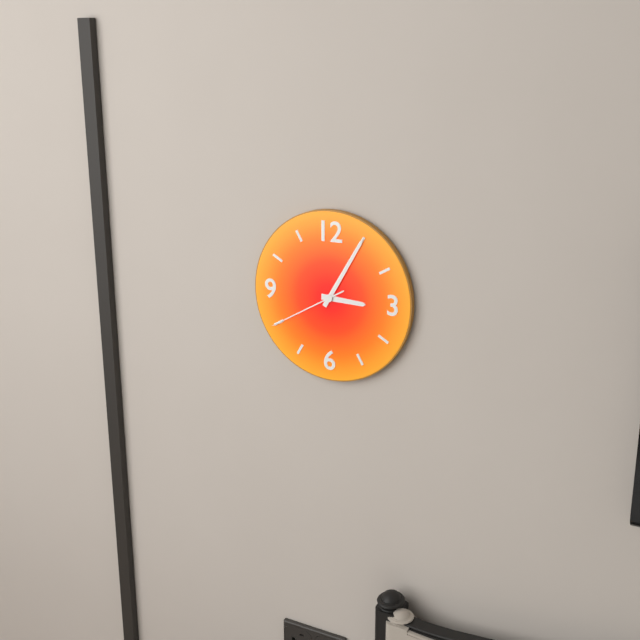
3:05:40
